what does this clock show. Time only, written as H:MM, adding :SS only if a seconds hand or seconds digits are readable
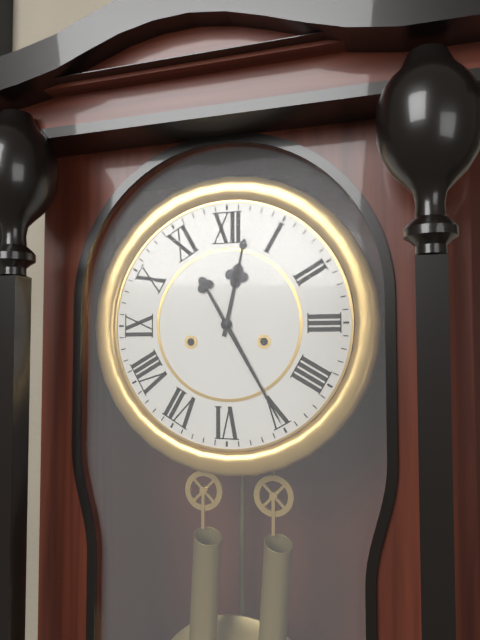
12:25
